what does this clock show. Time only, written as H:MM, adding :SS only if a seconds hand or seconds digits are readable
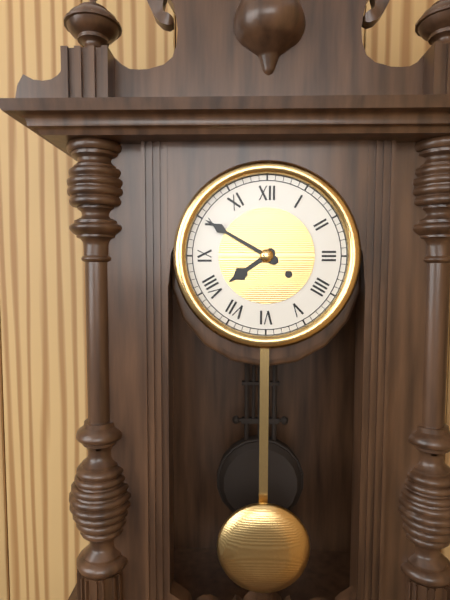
7:50
